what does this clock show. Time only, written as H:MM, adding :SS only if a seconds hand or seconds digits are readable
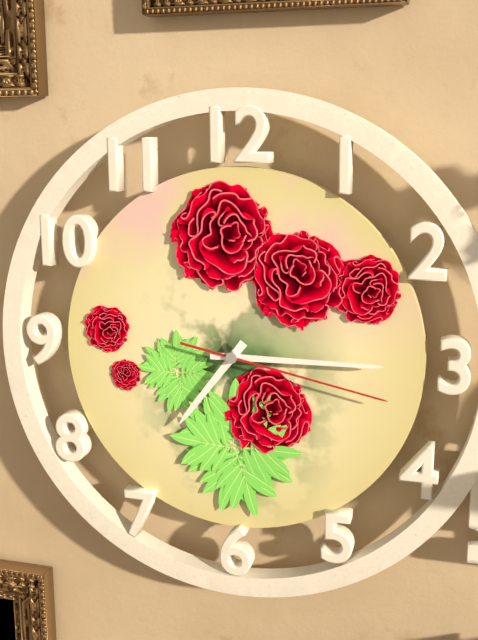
7:15:17
